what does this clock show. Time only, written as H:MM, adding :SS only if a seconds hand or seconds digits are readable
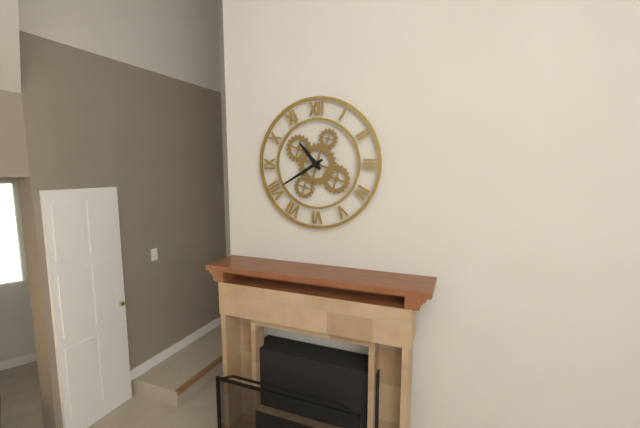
10:40
